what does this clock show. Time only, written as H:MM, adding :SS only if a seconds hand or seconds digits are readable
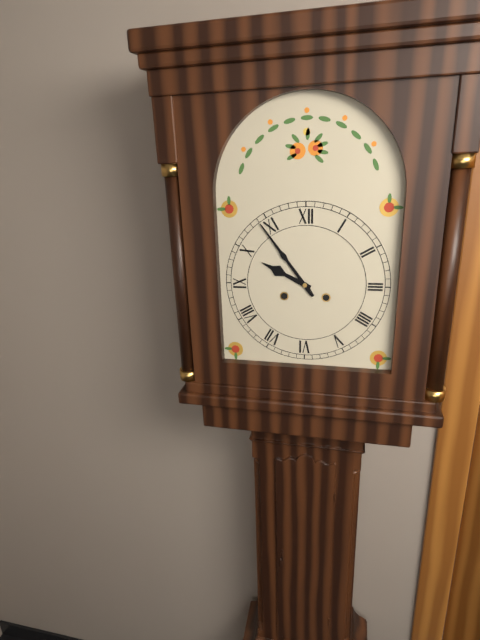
9:54
